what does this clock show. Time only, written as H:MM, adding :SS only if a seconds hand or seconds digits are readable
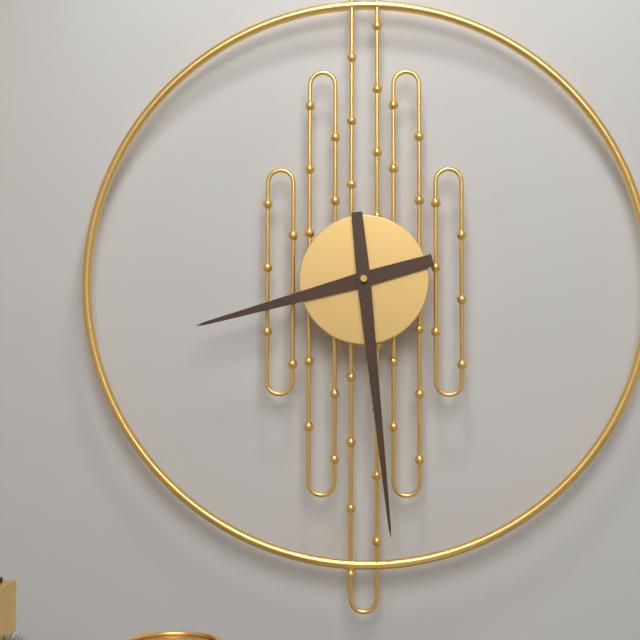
8:29
